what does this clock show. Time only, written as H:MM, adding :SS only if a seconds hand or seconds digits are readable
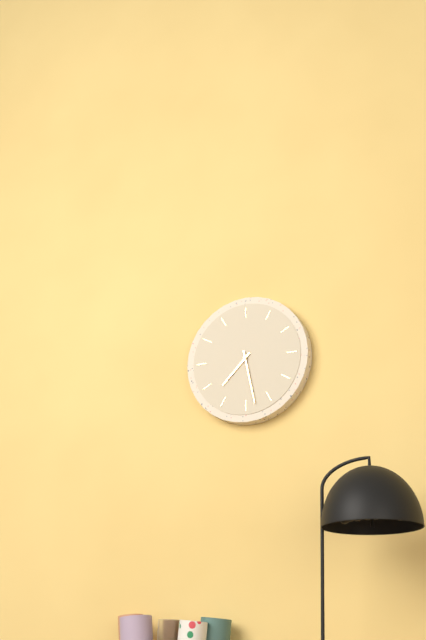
7:28
